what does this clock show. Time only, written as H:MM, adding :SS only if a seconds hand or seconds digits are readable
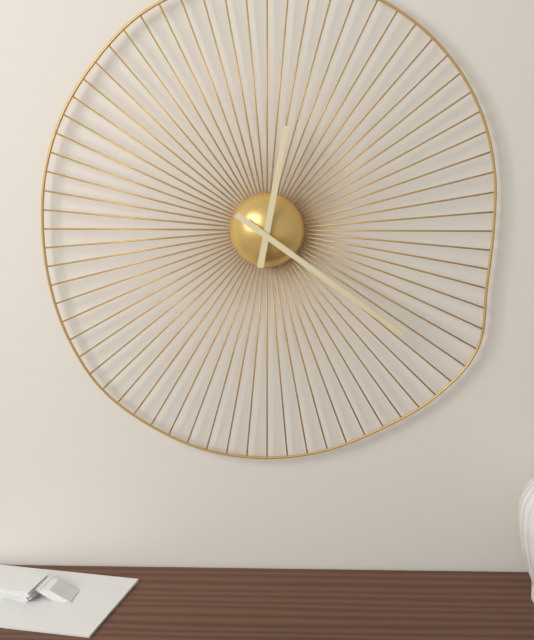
12:21
